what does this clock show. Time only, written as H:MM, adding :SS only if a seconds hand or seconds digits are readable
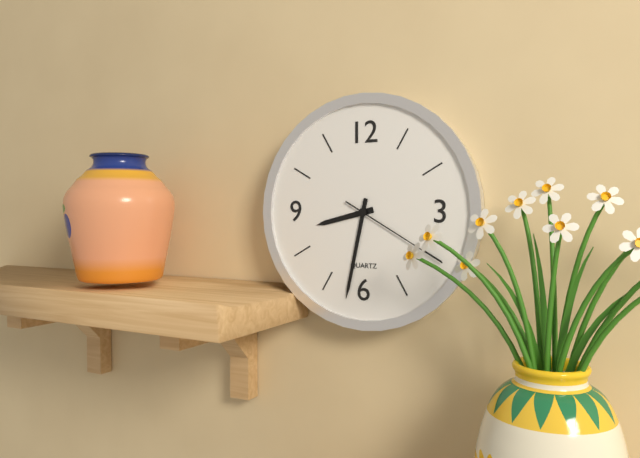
8:32:20
